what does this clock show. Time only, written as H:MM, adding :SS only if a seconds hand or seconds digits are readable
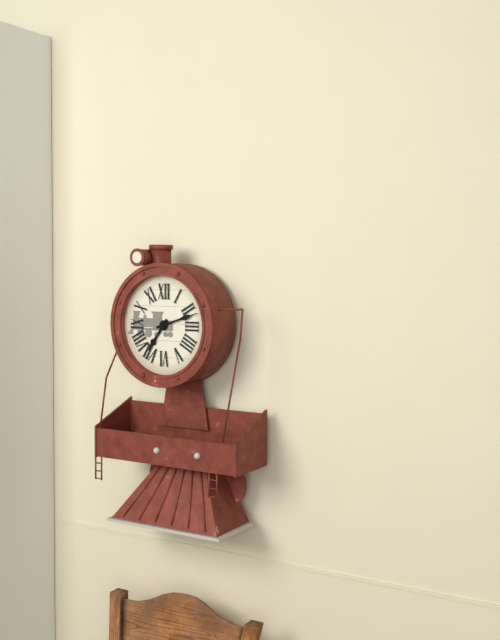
7:12
